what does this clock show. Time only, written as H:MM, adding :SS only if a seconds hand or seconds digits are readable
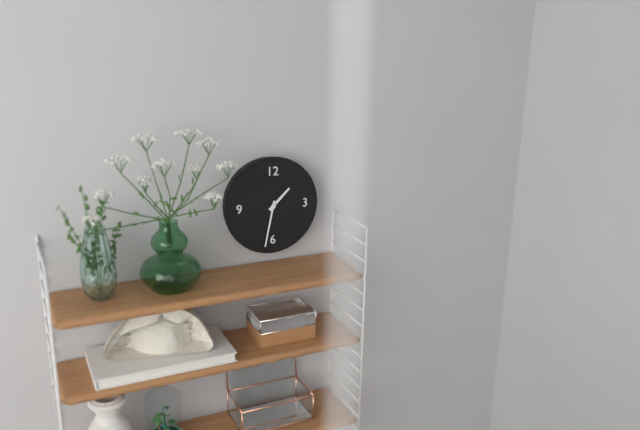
1:32
